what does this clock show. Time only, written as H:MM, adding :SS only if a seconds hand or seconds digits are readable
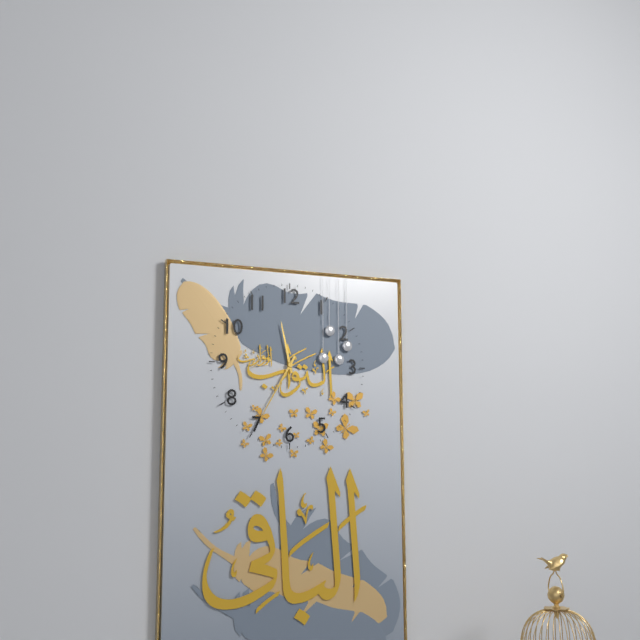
11:35
